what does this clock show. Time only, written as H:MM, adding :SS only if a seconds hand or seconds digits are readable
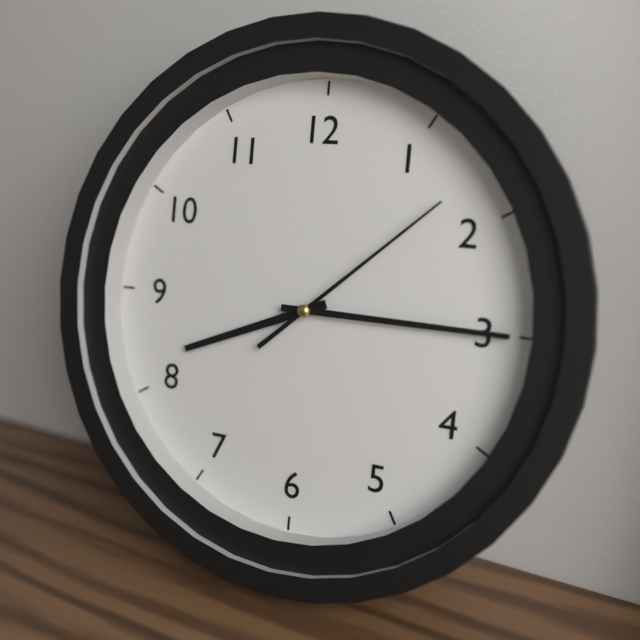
8:15:08
